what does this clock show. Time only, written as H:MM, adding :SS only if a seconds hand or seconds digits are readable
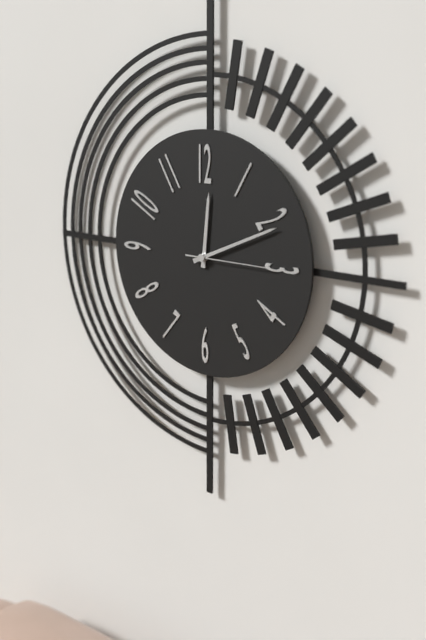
12:11:15
